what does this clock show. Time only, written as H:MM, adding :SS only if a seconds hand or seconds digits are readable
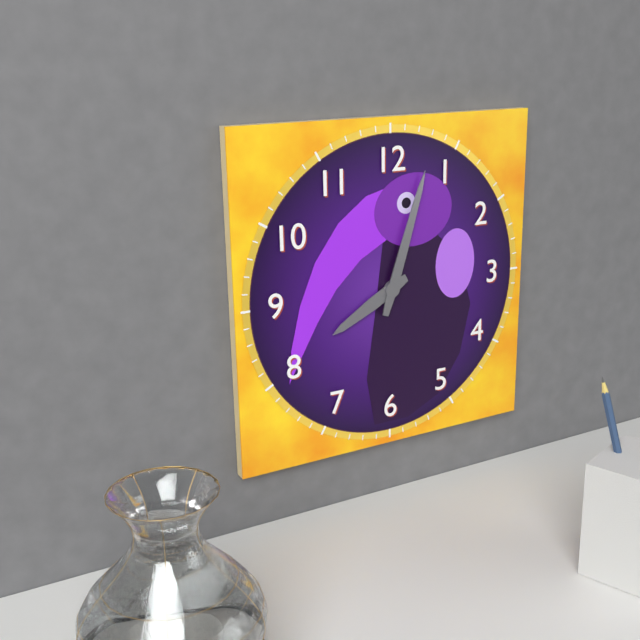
8:03
